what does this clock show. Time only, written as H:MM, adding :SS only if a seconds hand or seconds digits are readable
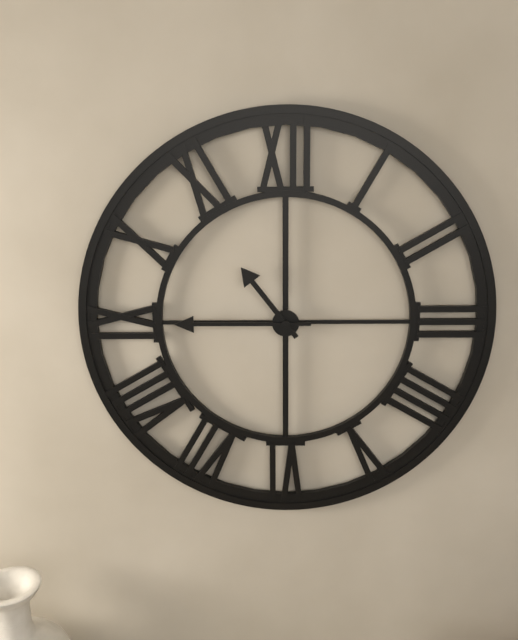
10:45
